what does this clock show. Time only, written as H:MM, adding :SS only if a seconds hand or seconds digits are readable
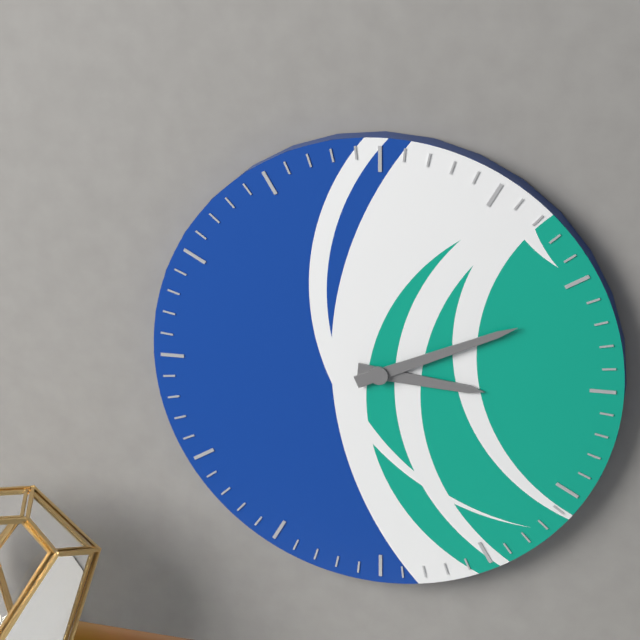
3:11
